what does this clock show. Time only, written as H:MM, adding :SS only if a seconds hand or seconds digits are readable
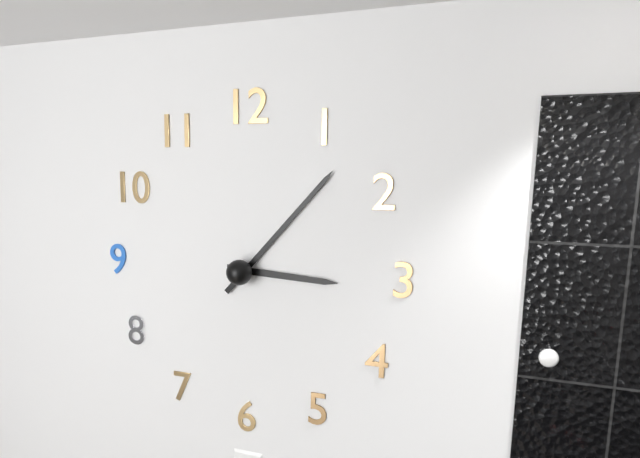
3:07
